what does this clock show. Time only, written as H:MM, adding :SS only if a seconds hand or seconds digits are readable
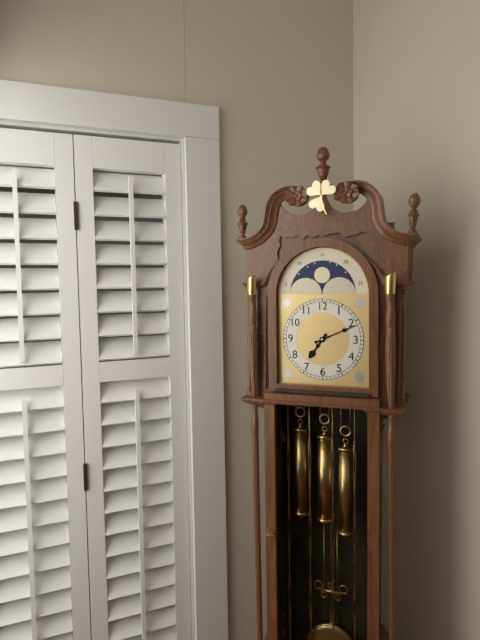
7:11
